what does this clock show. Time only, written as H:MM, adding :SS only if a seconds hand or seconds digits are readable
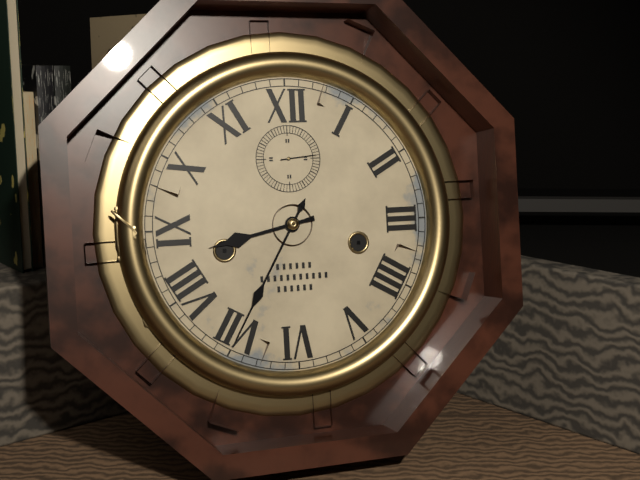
8:35
